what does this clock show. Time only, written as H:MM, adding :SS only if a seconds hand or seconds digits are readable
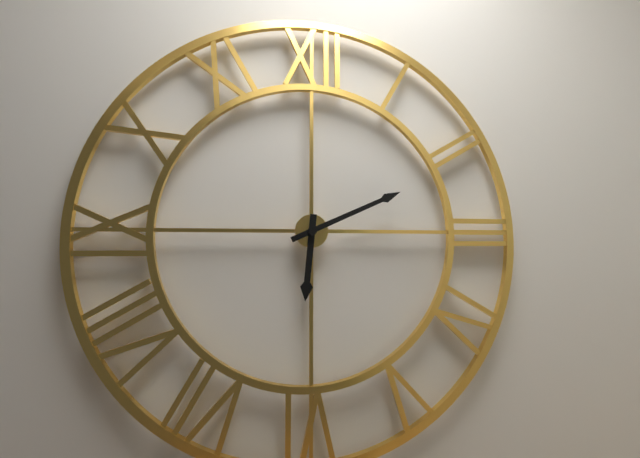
6:11
